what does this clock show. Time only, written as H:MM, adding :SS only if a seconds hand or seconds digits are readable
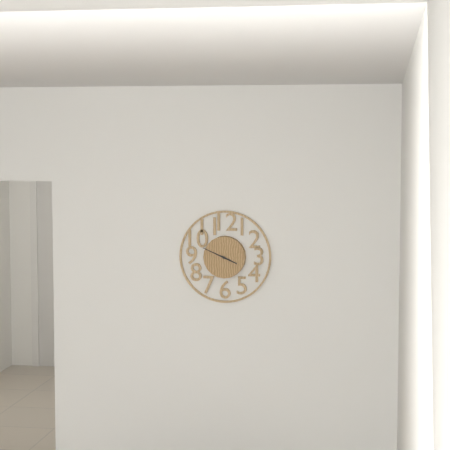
3:49
